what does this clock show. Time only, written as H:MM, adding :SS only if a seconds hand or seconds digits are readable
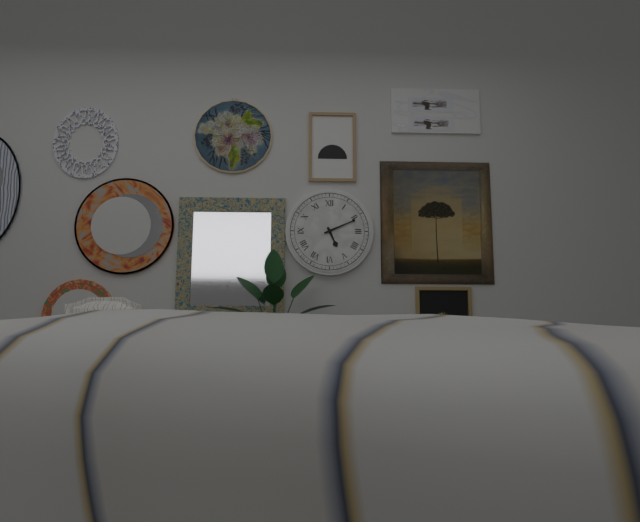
5:11
